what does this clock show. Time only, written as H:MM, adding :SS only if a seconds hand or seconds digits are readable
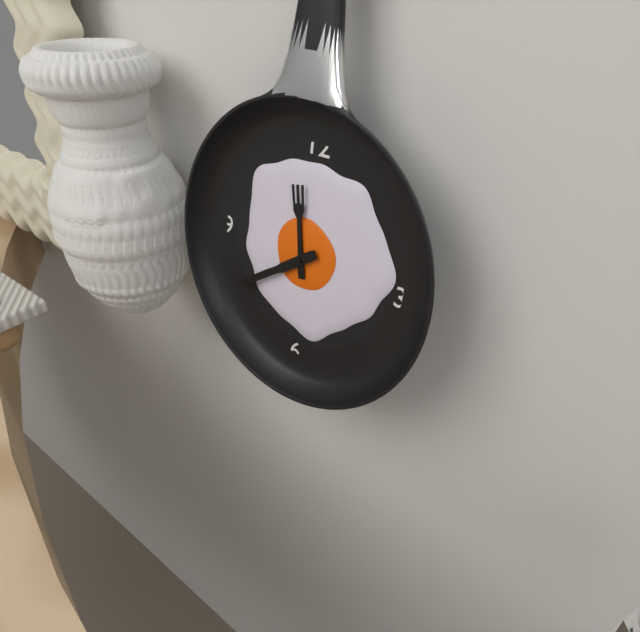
11:39
